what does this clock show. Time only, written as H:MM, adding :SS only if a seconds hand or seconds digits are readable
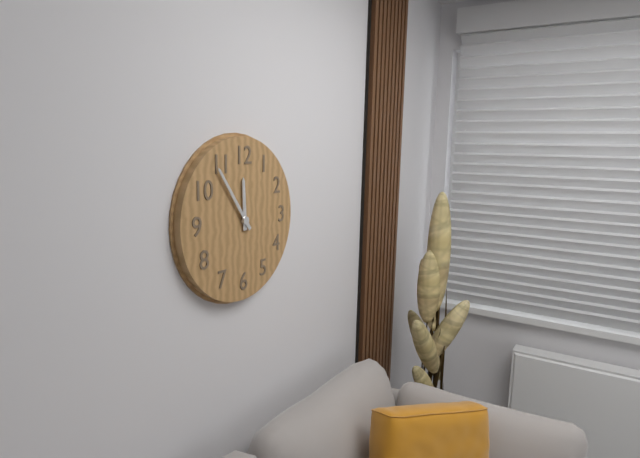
11:54
